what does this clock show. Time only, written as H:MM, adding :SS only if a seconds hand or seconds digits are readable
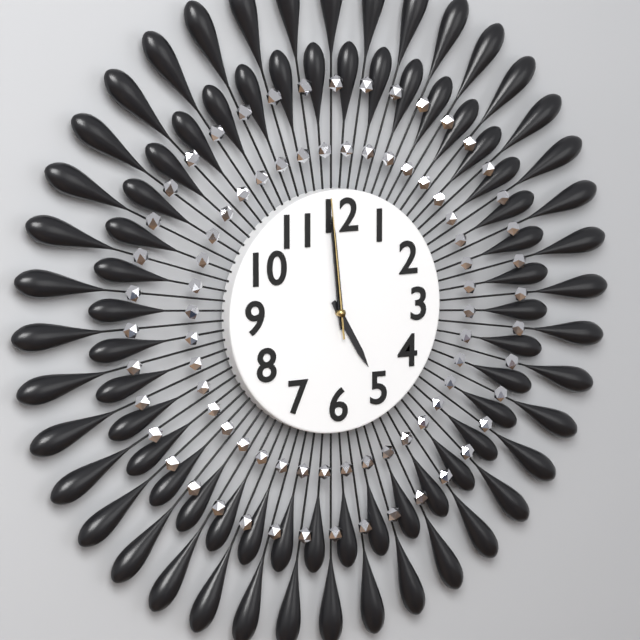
4:59:59
